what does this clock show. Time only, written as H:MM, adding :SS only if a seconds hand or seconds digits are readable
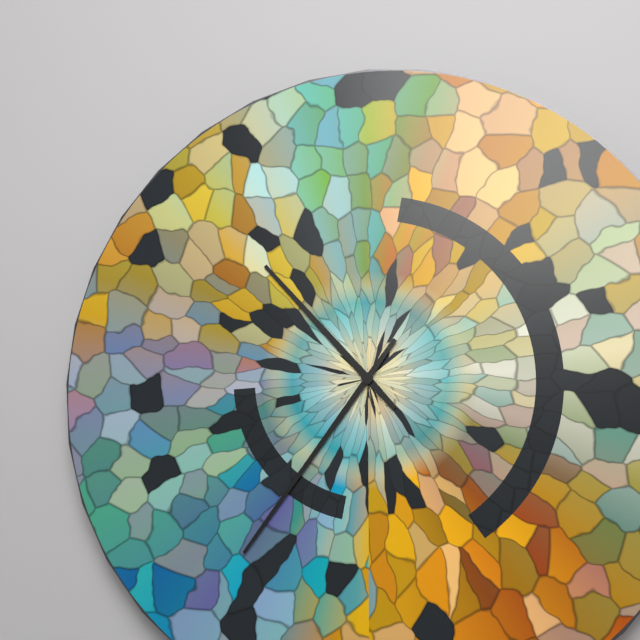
10:36
